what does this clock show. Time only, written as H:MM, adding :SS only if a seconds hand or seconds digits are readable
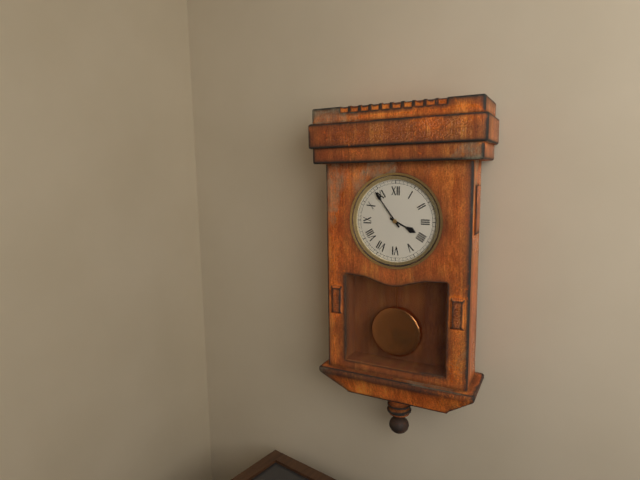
3:54
